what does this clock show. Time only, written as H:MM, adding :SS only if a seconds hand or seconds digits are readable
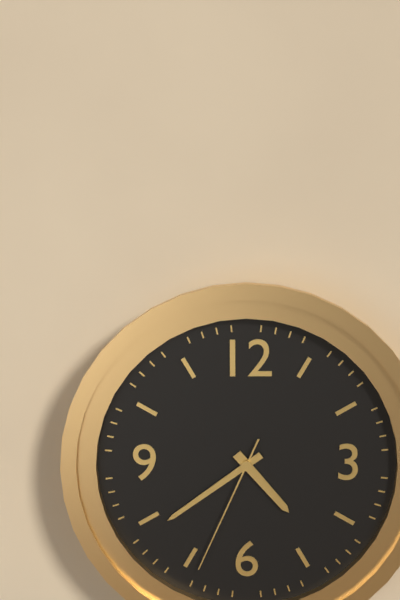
4:39:34
